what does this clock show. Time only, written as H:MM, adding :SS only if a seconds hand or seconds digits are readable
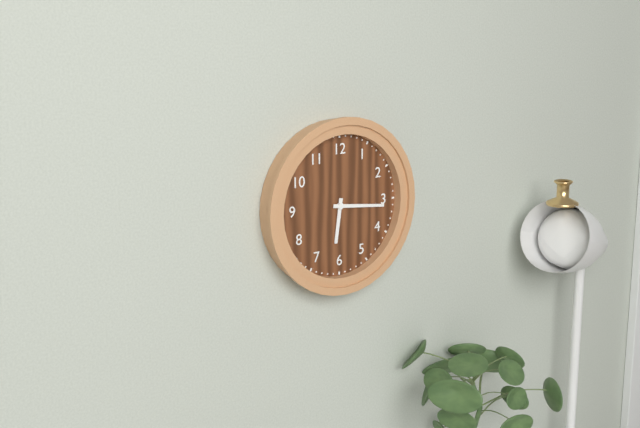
6:16
